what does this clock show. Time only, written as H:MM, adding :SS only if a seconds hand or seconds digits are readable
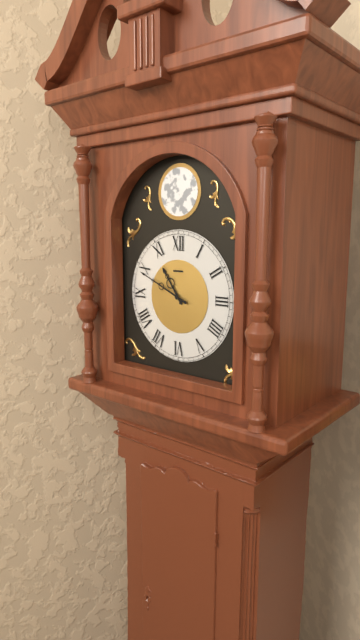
10:49
